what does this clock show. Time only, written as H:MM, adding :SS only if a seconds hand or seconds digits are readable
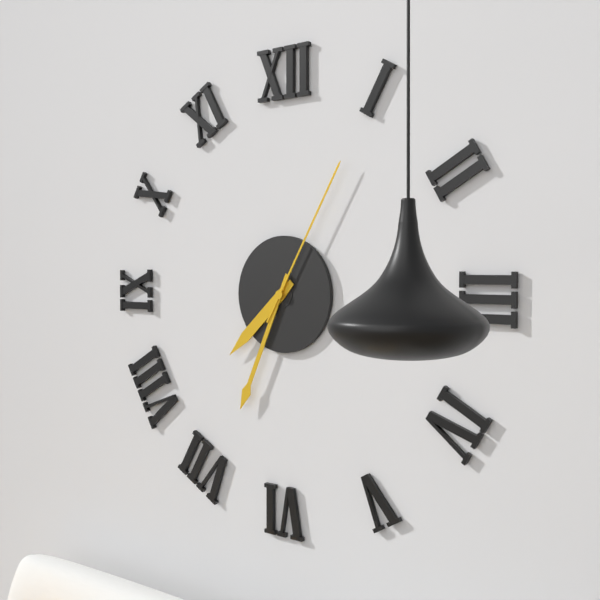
7:34:05
